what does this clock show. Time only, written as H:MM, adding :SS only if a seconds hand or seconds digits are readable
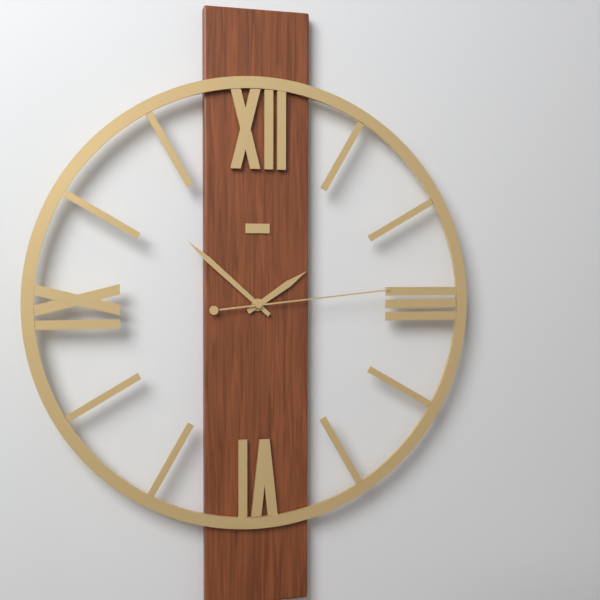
1:52:14
